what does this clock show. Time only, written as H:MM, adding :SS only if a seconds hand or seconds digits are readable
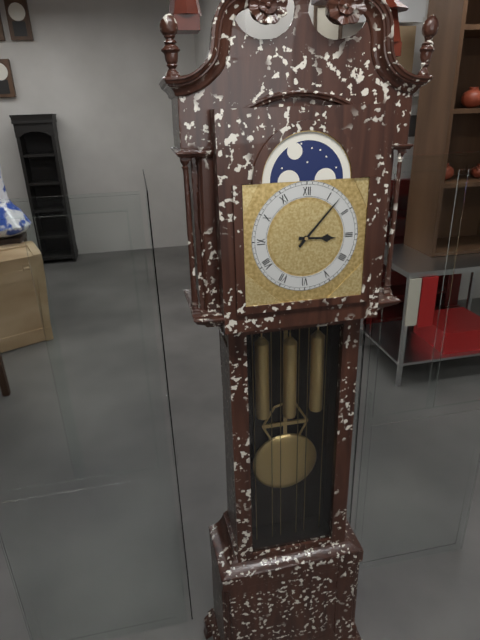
3:07
